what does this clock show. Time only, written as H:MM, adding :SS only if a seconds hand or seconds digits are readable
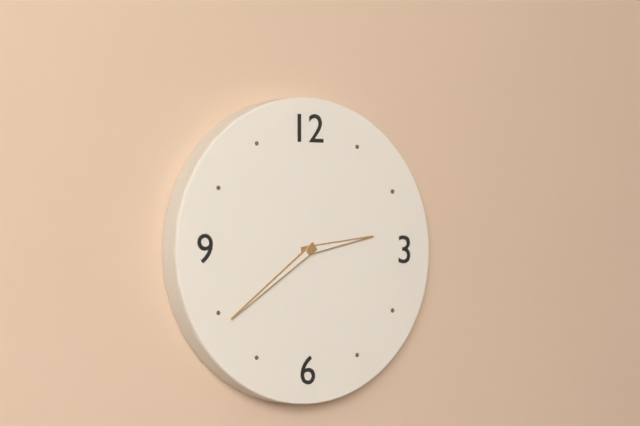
2:39
